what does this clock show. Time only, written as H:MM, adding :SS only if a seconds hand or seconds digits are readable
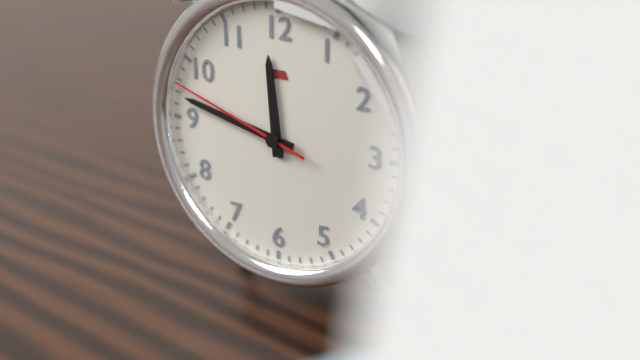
11:47:48
